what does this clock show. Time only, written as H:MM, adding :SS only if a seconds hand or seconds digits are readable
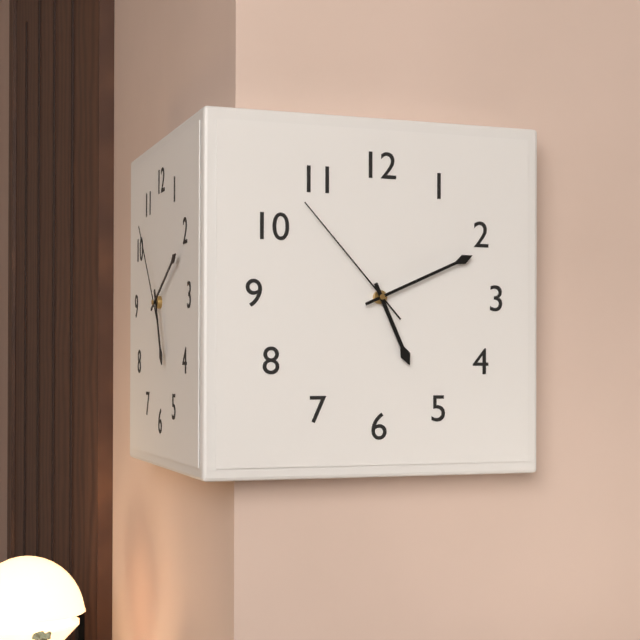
5:11:53
